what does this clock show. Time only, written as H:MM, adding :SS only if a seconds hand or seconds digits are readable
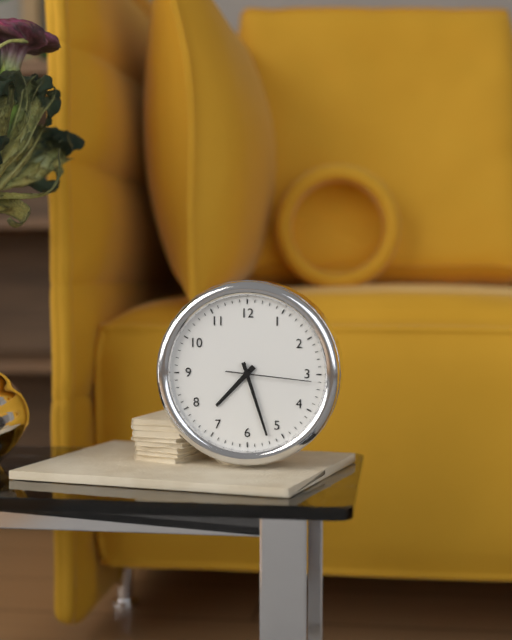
7:27:16
